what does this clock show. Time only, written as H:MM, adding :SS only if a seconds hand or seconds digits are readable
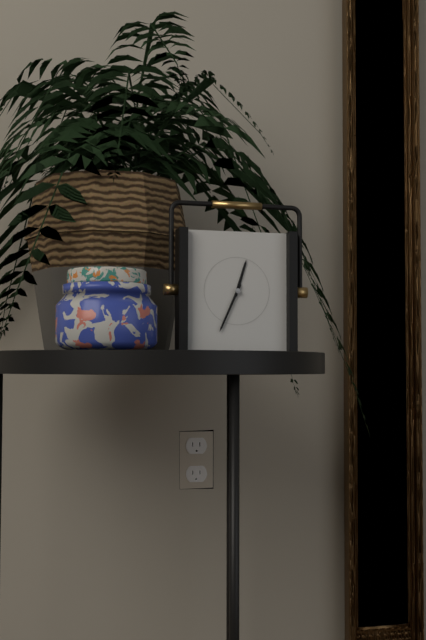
12:34
